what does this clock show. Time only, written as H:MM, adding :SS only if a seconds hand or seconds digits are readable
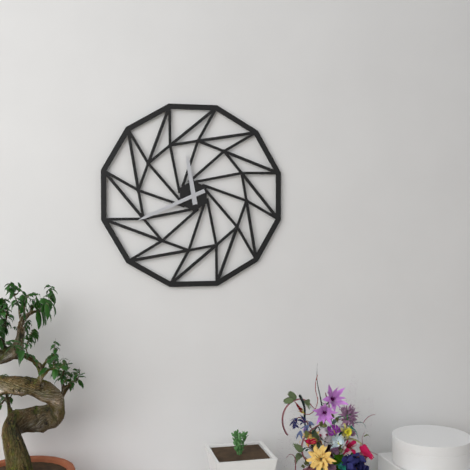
11:41
